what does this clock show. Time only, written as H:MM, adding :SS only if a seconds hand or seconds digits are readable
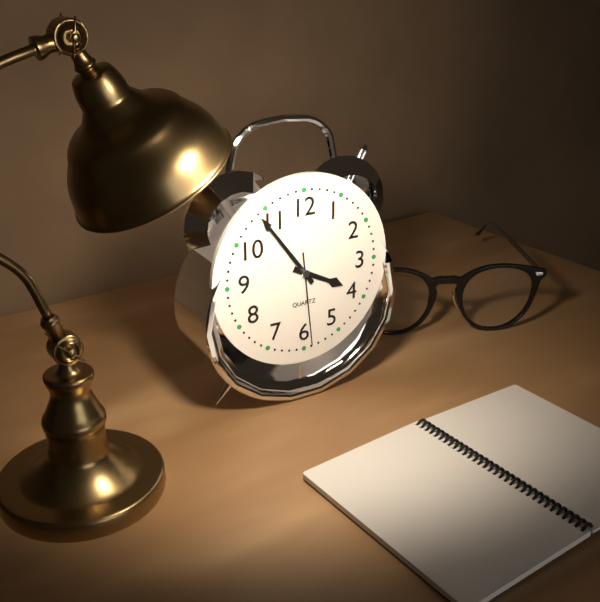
3:54:29
